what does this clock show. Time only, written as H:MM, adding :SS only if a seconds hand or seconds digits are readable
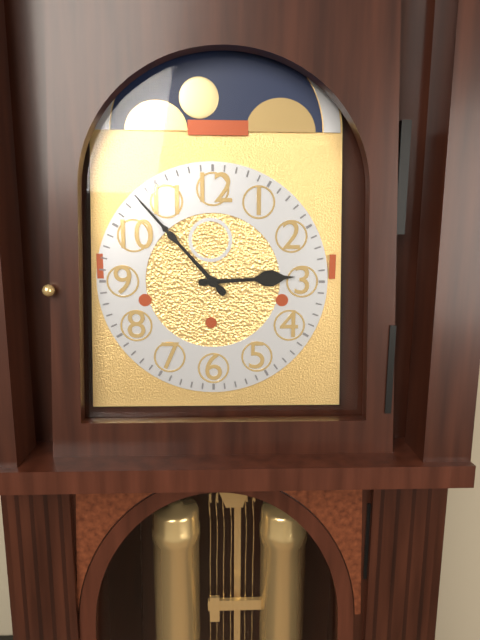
2:53
